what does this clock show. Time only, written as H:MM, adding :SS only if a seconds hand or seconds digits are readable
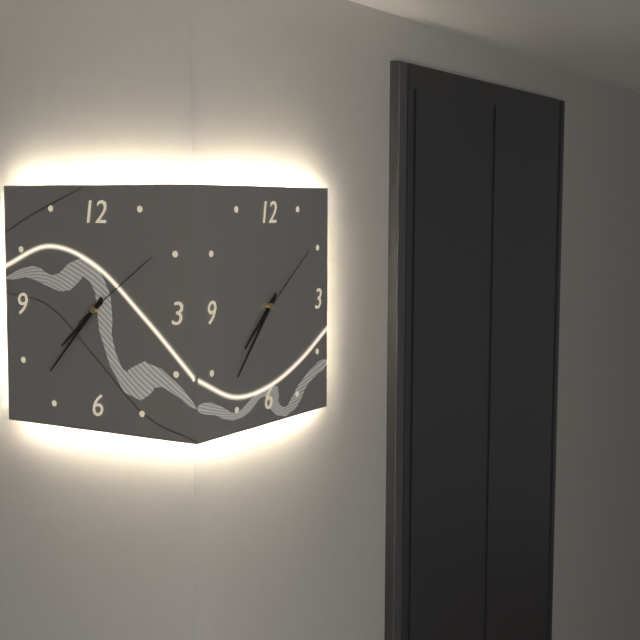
7:37:09
